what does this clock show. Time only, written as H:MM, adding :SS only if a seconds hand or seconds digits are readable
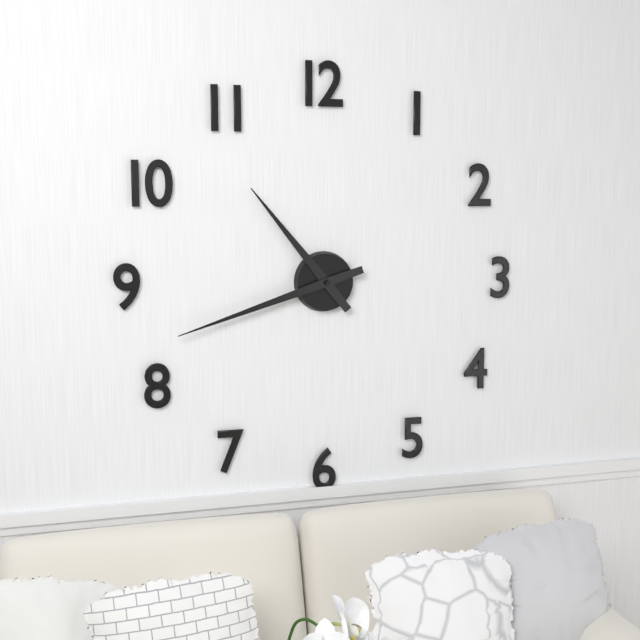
10:42
